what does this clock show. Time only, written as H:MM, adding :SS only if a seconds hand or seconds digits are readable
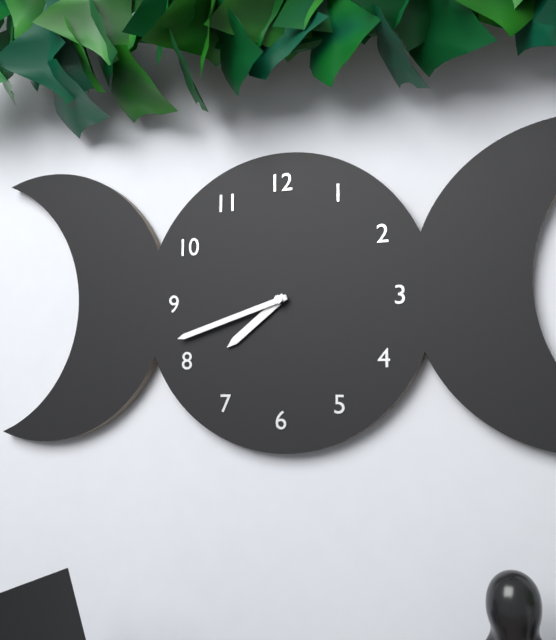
7:42
